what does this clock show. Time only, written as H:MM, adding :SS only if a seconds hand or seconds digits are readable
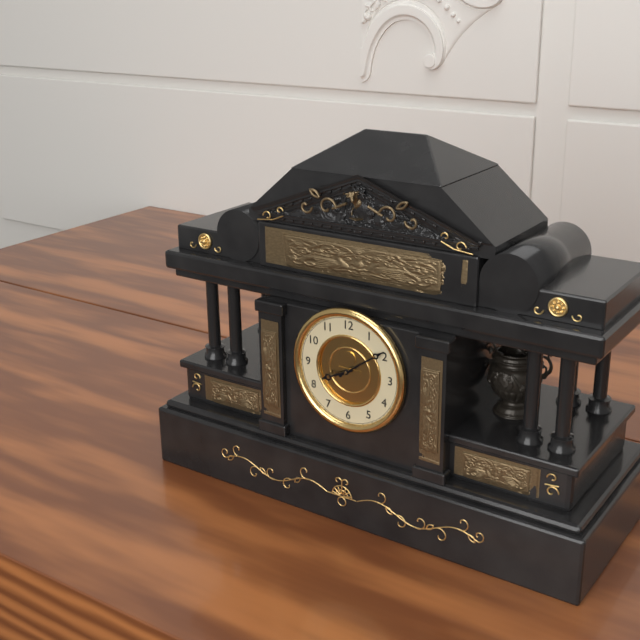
8:09
